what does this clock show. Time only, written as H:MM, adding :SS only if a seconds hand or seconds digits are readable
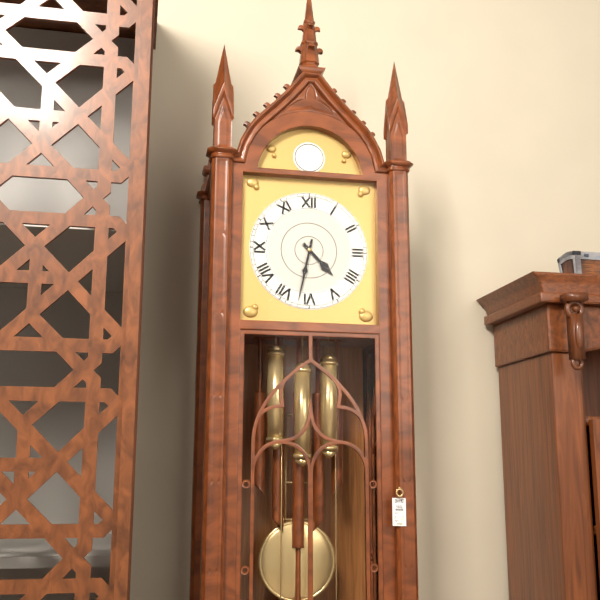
4:32
